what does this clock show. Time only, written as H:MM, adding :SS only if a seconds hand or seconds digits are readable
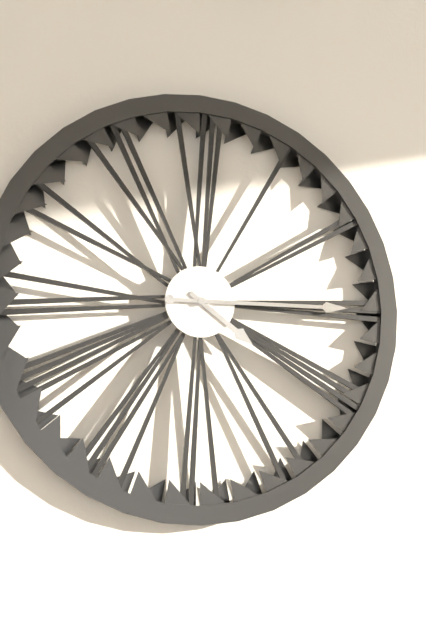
4:15
